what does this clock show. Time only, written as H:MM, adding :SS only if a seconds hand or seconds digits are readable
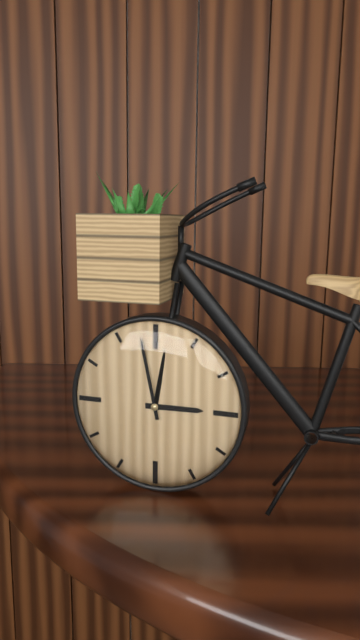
2:58
